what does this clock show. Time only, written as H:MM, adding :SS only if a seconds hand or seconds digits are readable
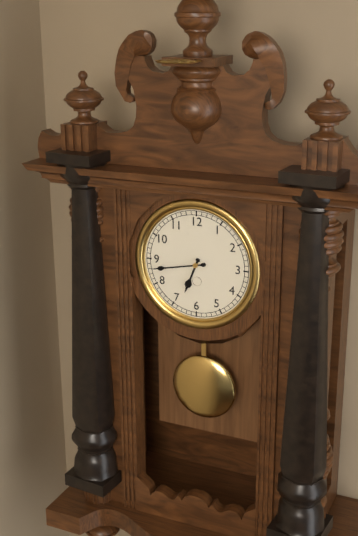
6:43
